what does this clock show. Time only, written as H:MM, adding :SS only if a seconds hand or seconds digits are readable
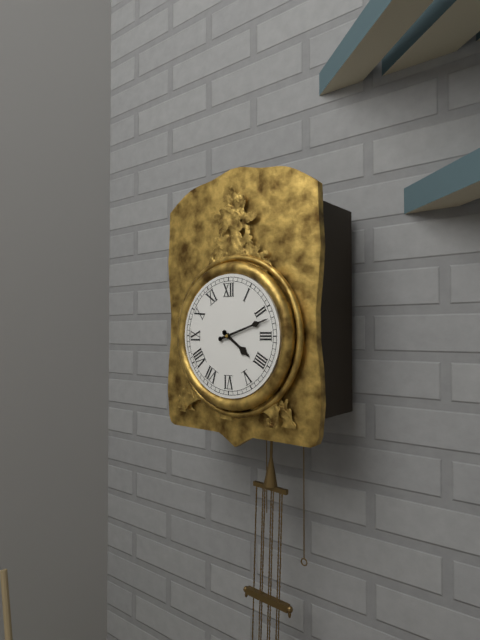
4:12
